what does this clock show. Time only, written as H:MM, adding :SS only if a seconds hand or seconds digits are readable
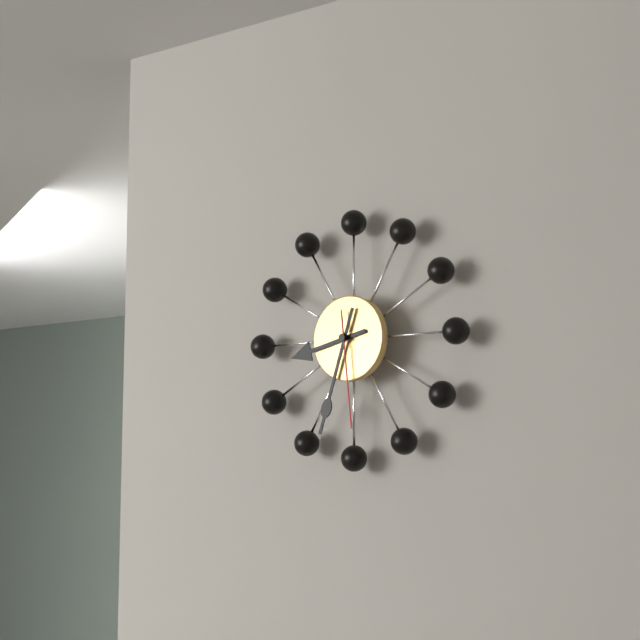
8:33:29
